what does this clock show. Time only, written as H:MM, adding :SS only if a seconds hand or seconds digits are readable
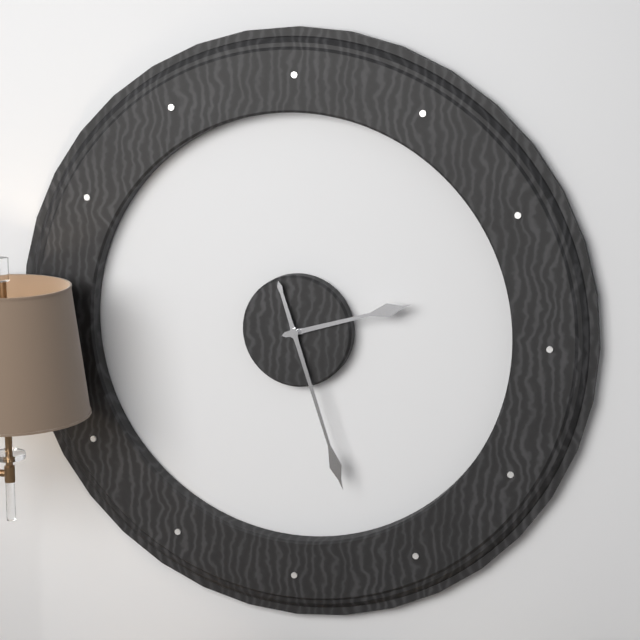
2:27
